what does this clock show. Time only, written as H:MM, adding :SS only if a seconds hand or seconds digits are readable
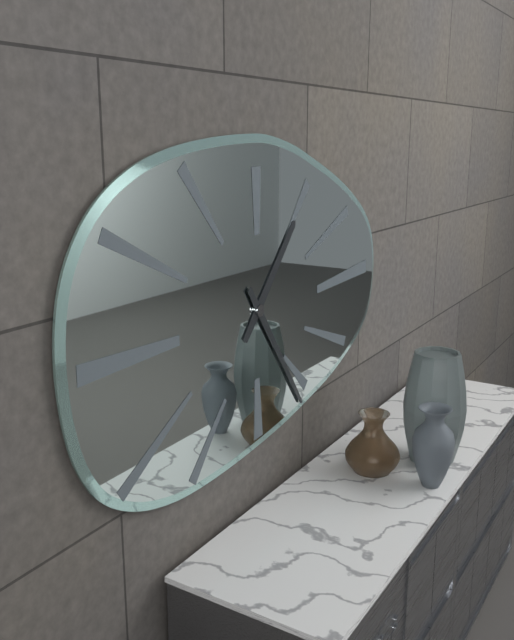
1:24
